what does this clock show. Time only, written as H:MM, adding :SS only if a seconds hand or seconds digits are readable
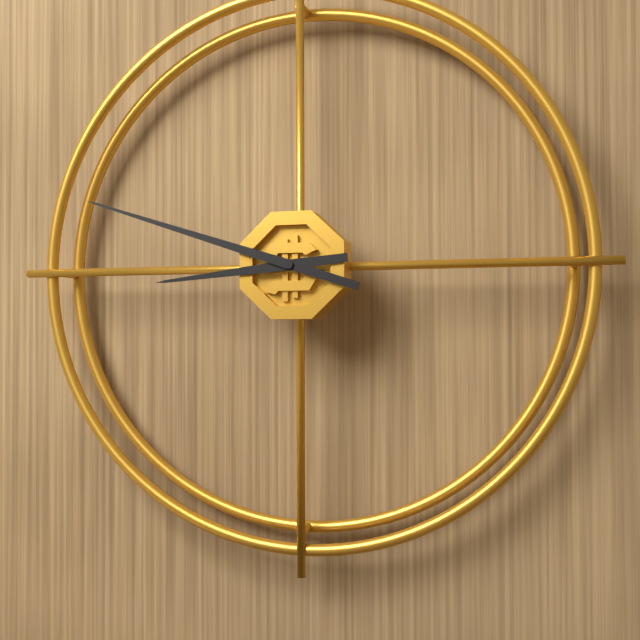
8:48
